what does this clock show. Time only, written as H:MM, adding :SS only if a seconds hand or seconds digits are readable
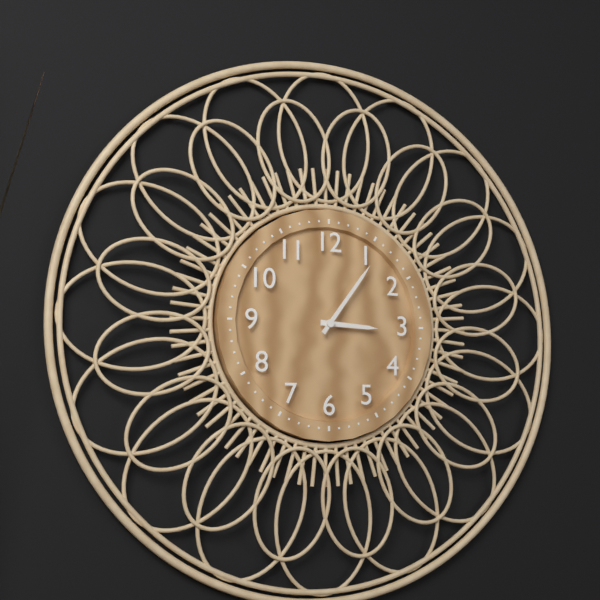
3:06
